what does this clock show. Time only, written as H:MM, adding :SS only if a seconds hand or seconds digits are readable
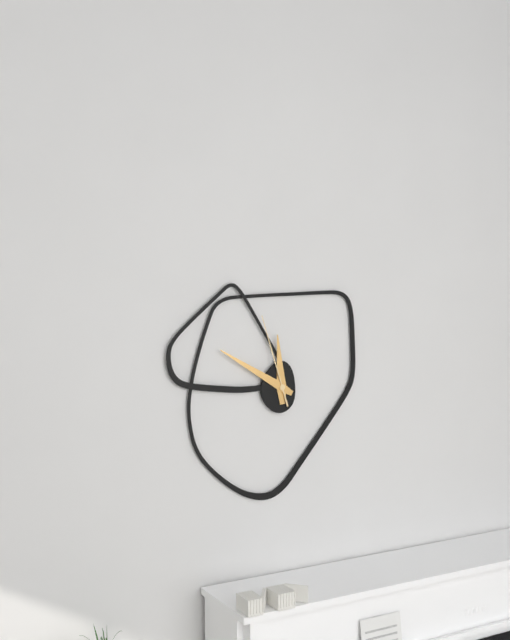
11:50:57
